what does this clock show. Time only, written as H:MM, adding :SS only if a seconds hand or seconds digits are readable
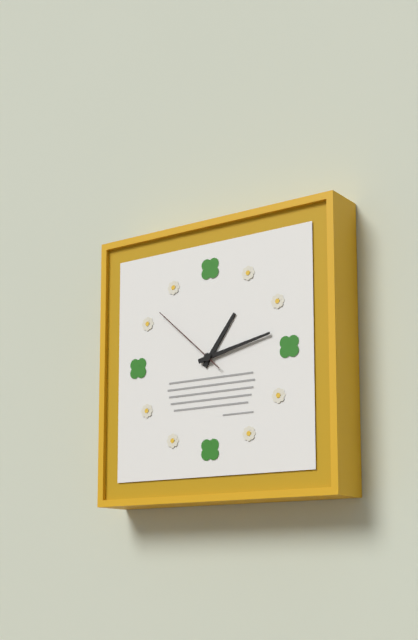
1:13:52
